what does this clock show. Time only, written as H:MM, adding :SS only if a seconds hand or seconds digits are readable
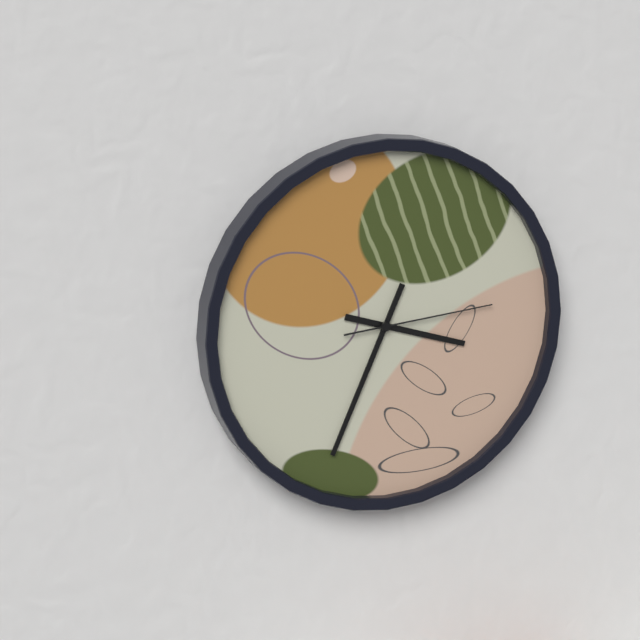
3:34:14
